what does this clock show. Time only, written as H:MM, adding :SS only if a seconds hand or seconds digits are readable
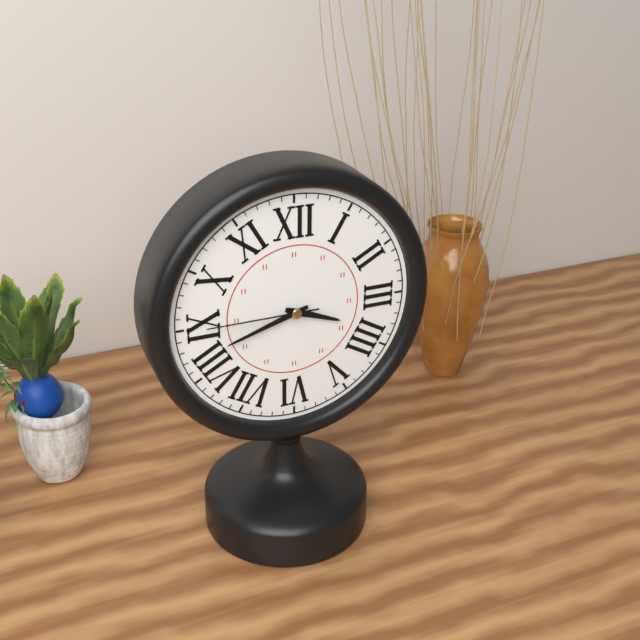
3:42:45
